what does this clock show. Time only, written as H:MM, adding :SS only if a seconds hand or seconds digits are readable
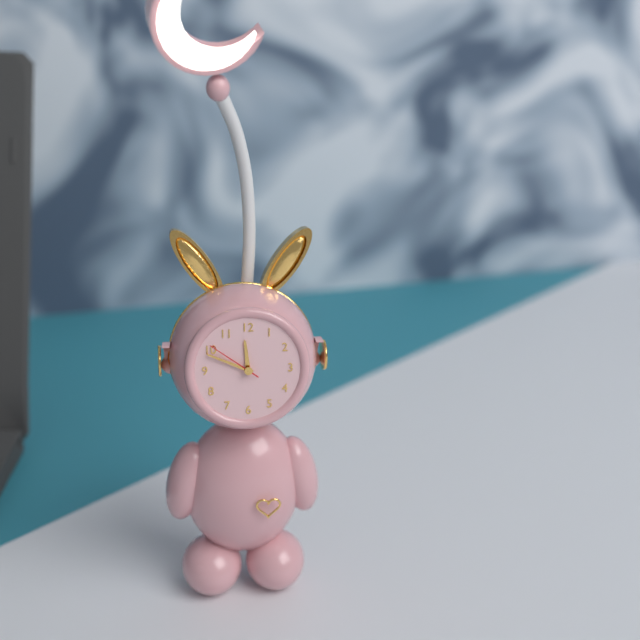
11:49:51
